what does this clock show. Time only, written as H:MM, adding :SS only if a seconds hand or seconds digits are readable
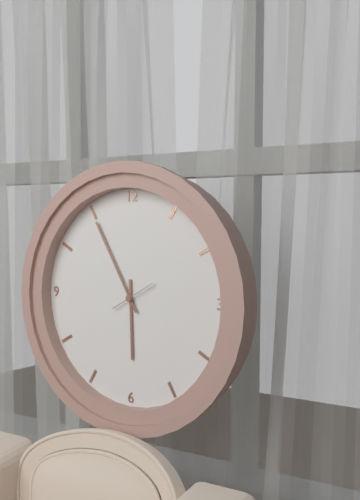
5:55
